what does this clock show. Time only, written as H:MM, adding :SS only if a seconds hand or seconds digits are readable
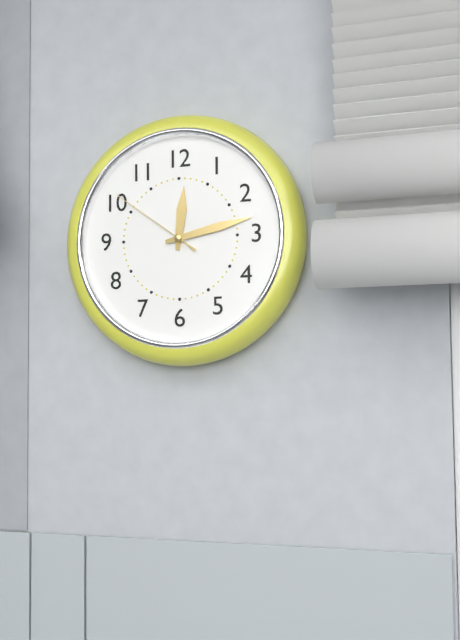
12:13:51
